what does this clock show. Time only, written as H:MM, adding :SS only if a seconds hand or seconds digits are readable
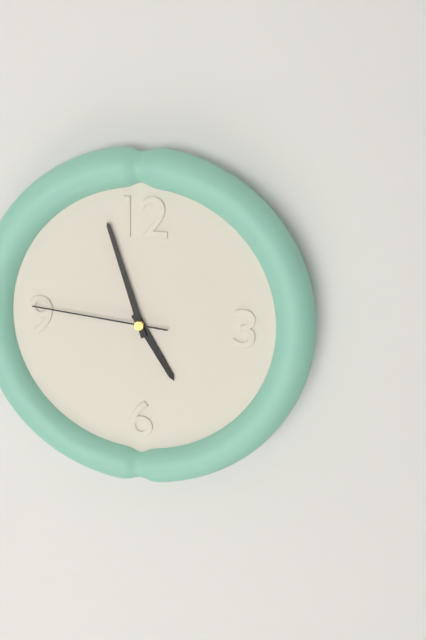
4:57:46
